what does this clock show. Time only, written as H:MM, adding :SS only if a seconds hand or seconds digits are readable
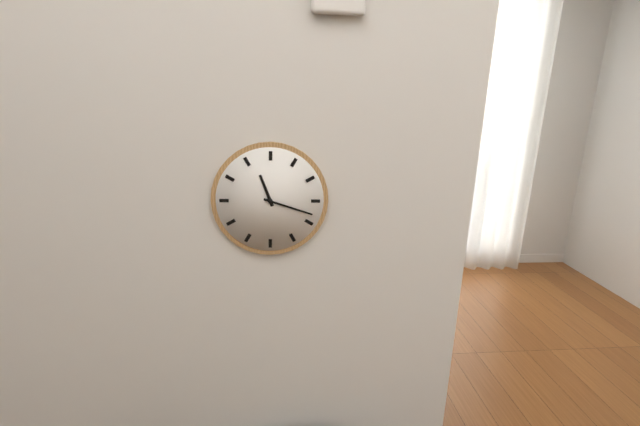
11:18
